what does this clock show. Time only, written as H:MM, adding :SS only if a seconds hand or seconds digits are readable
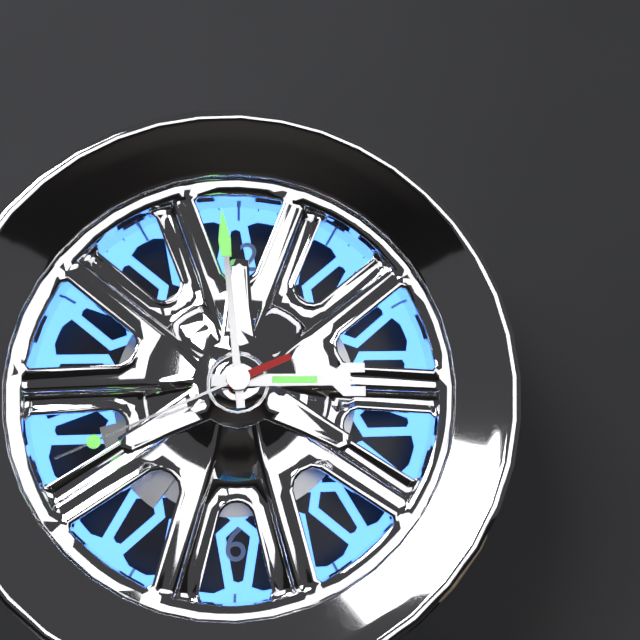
2:59:41
